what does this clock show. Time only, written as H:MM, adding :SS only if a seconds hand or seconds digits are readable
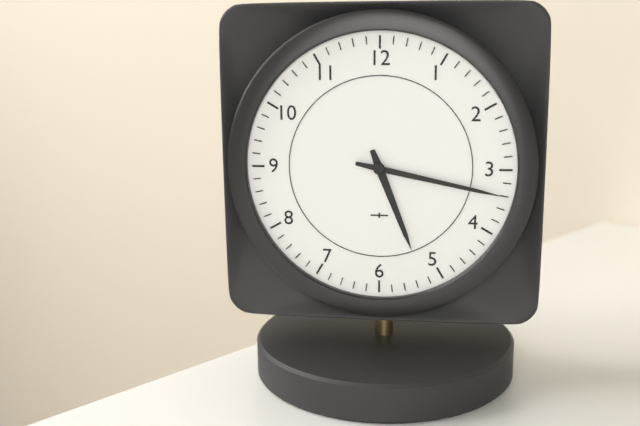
5:17
